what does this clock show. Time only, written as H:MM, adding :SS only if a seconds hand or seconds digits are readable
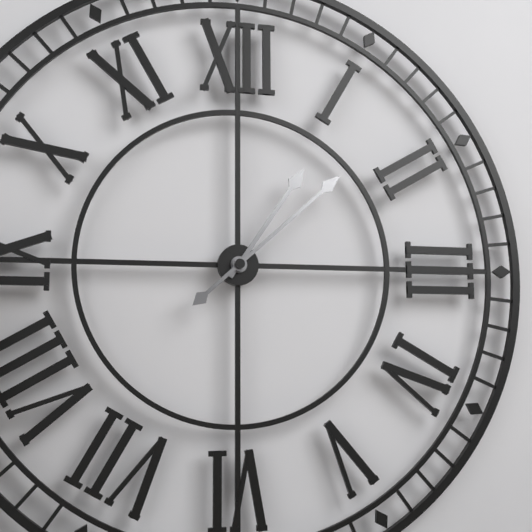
1:08
